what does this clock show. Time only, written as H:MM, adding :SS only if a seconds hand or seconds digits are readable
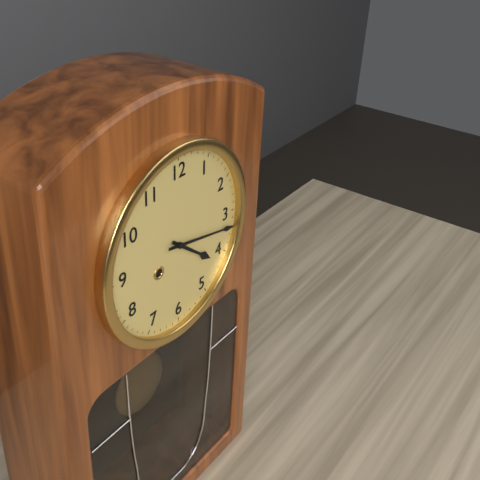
4:17
